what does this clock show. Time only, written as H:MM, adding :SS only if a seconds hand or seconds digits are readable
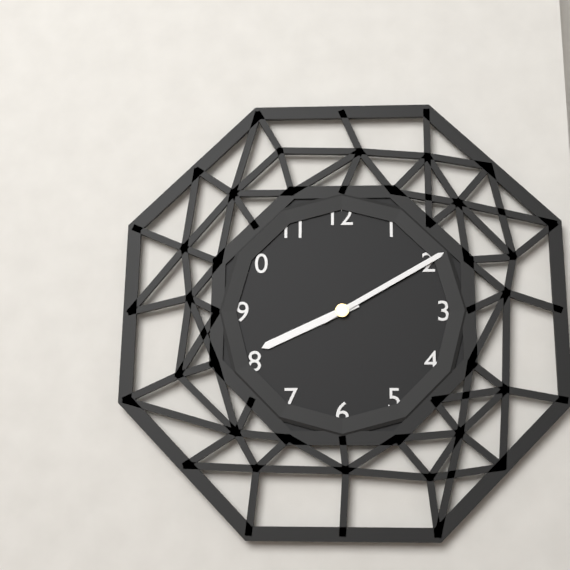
8:10
